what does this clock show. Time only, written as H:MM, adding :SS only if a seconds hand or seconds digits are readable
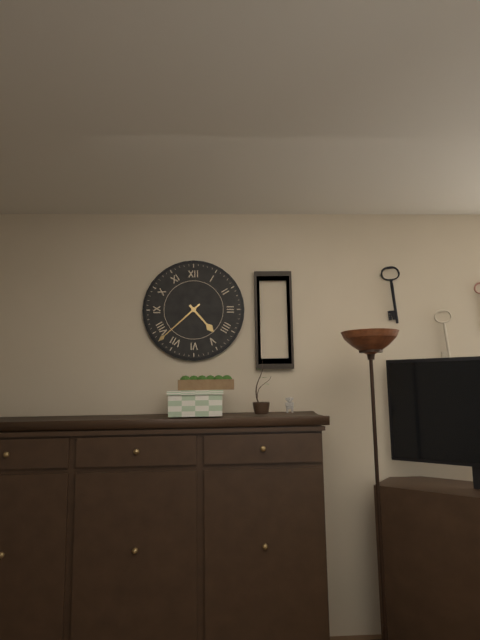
4:38
